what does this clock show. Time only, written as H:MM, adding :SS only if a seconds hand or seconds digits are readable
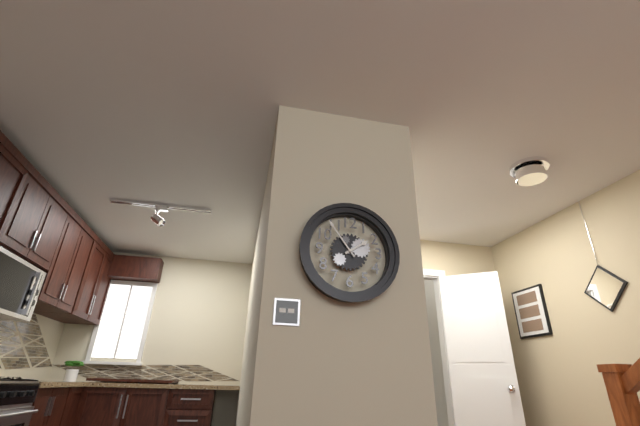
1:54
